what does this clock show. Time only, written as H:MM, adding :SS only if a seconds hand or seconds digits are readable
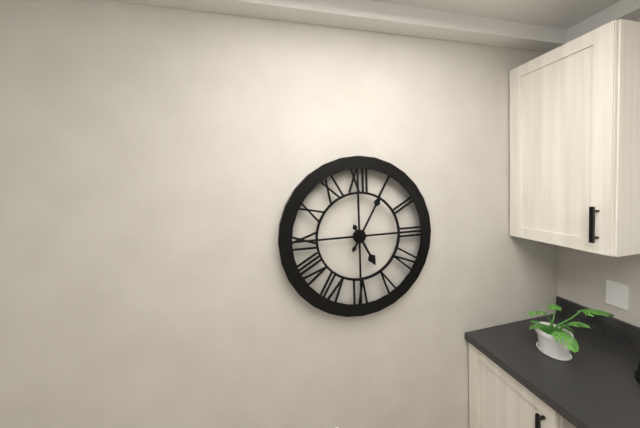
5:05
